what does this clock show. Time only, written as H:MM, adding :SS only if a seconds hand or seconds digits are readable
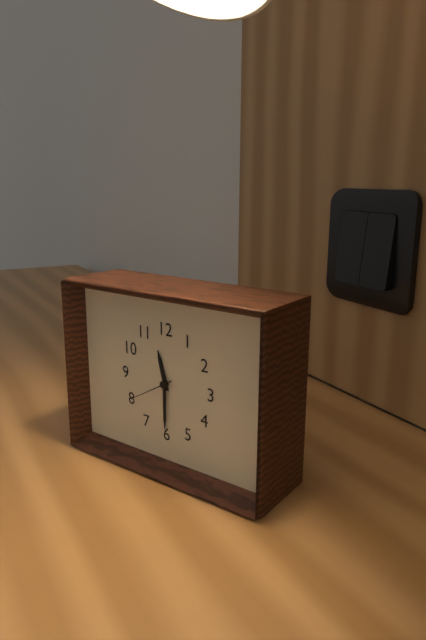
11:30:40
